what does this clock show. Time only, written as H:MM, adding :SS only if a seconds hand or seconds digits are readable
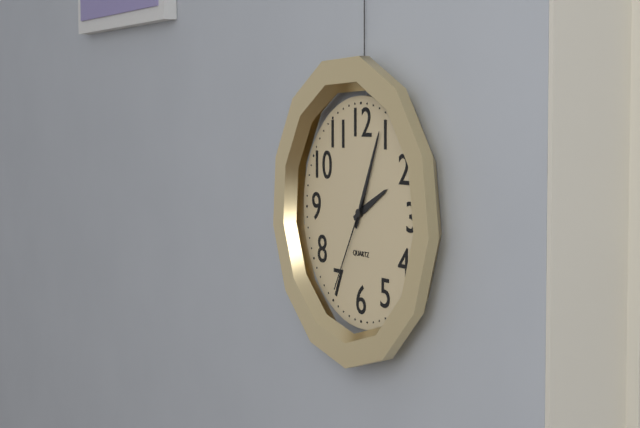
2:04:35
